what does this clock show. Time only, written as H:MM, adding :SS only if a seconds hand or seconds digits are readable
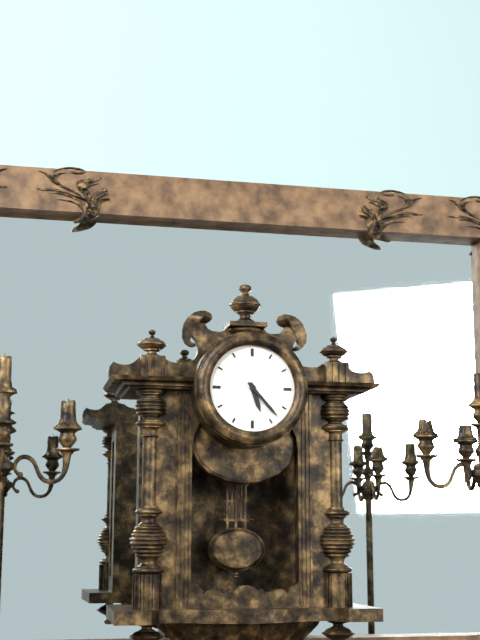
5:23
